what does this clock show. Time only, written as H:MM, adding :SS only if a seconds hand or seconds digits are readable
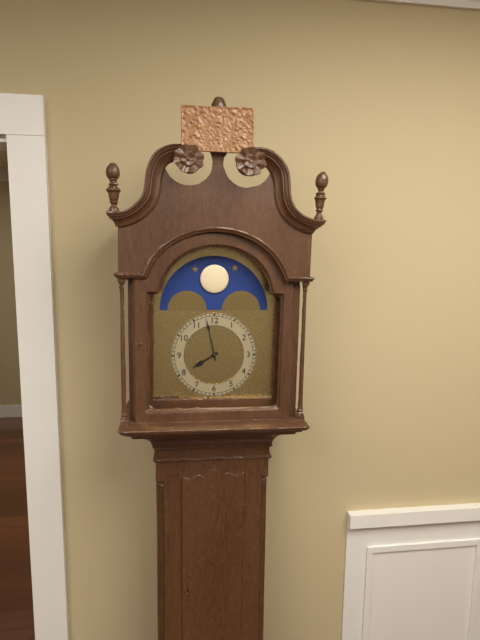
7:58
